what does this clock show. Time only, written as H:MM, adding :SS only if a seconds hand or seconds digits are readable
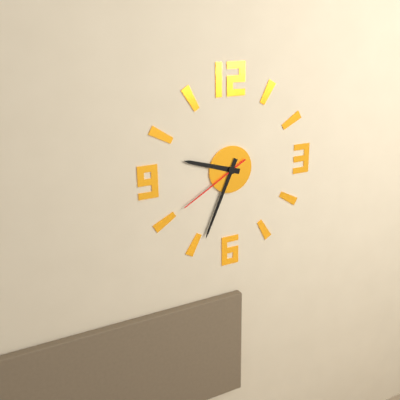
9:34:40
